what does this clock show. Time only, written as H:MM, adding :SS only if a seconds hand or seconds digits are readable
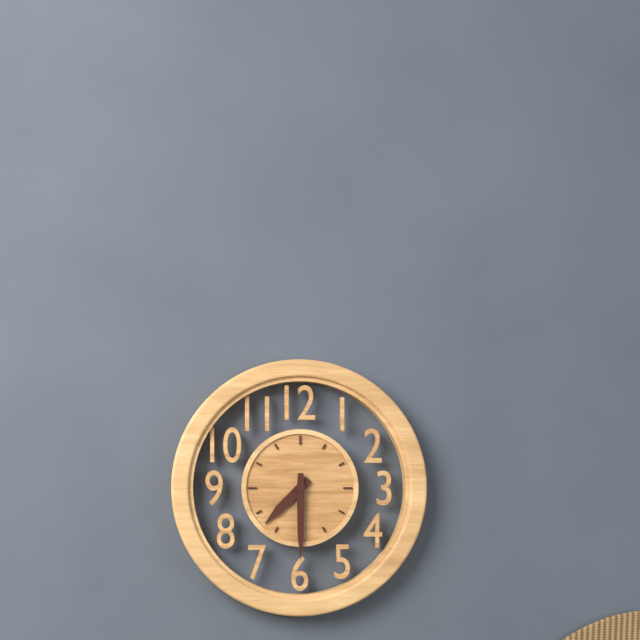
7:30
